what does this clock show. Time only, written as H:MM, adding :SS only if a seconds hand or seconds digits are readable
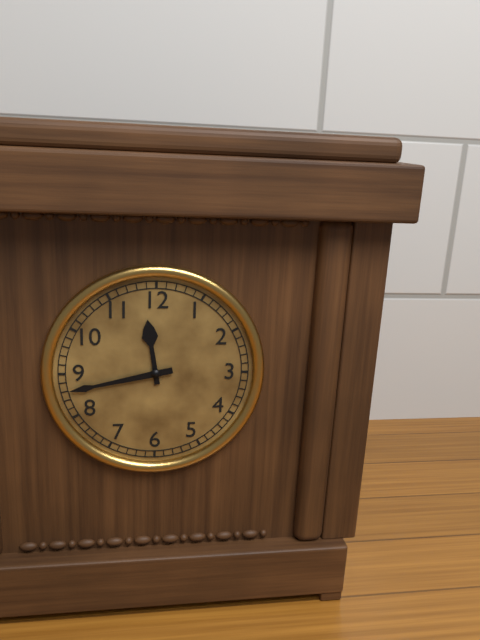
11:43
